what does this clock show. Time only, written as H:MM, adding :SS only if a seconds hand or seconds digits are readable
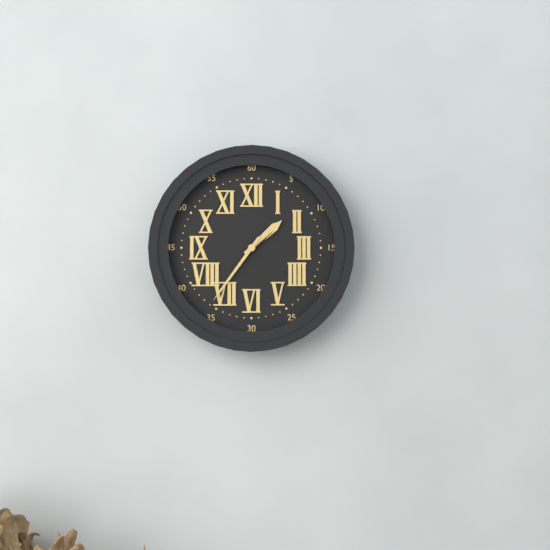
1:36
